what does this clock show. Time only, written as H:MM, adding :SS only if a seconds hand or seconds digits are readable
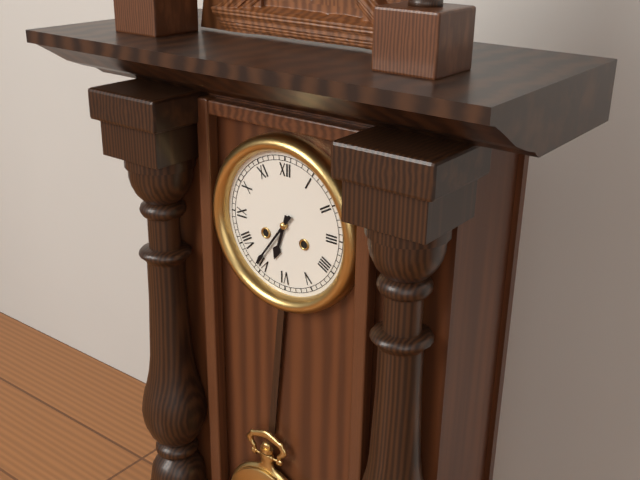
6:36
